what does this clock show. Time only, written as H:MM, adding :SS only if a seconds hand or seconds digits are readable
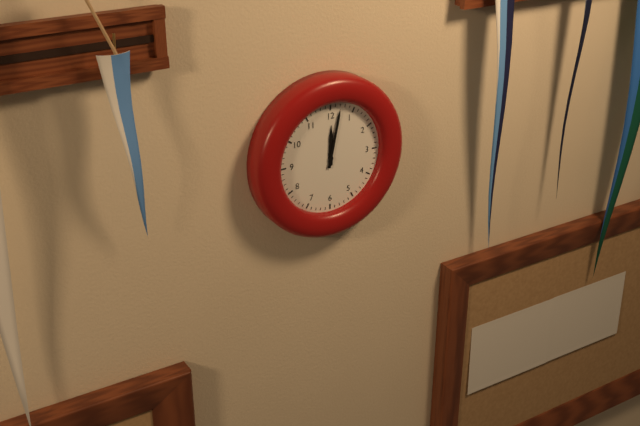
12:02
